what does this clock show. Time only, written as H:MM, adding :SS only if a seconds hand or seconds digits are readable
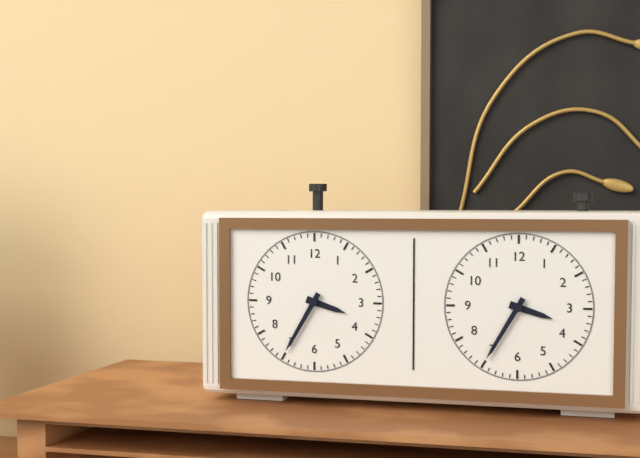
3:35
